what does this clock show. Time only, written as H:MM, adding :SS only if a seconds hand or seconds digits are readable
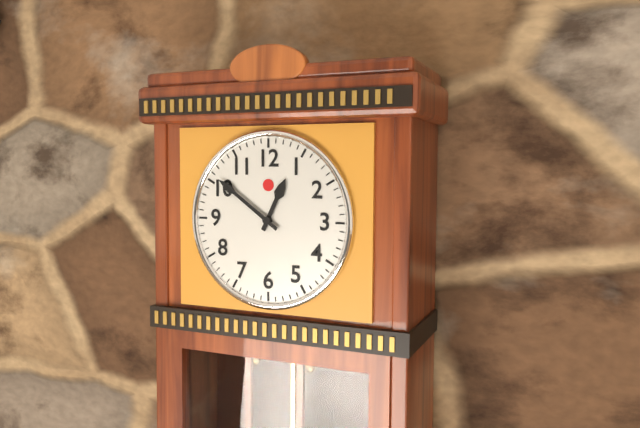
12:51
